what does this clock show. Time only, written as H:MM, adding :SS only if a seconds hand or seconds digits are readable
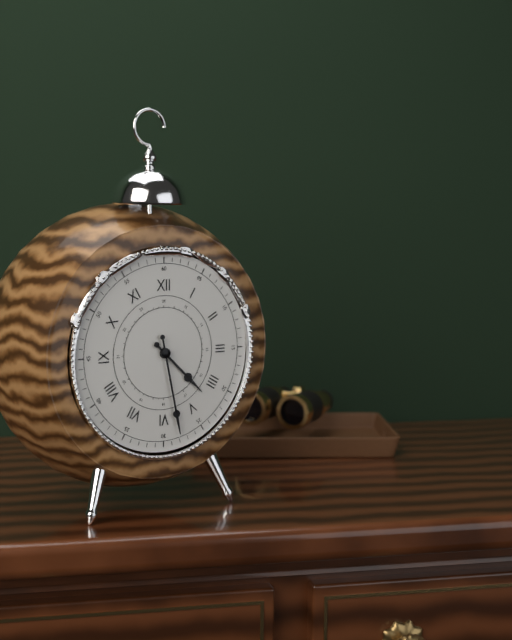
4:28
